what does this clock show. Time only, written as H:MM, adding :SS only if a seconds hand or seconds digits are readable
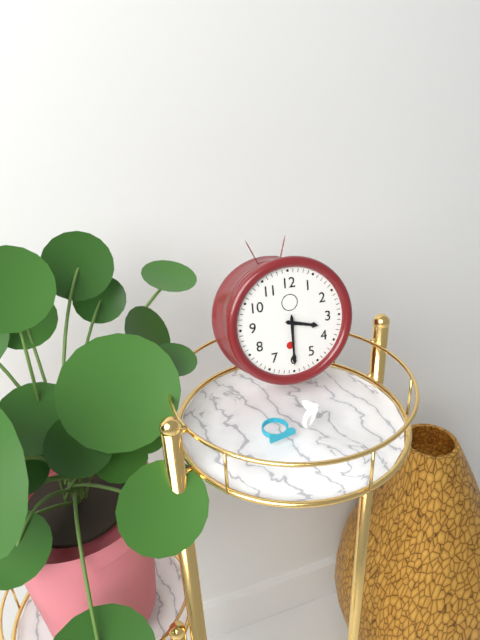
3:30
